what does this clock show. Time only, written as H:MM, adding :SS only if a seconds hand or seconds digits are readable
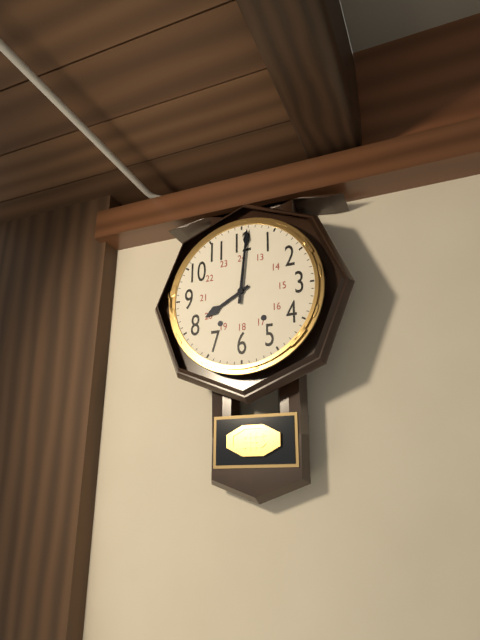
8:01
